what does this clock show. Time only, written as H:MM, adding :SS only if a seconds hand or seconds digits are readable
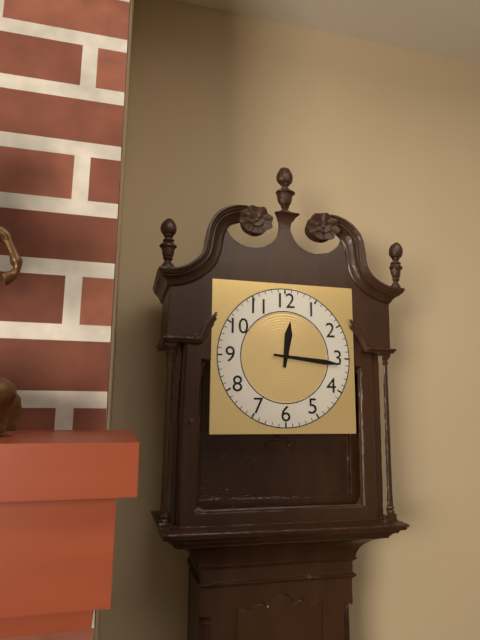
12:16
